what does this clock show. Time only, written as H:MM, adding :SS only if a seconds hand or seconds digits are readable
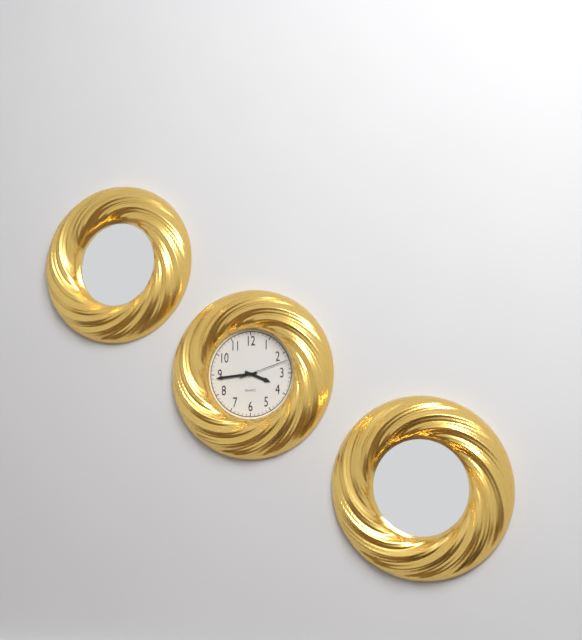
3:44
